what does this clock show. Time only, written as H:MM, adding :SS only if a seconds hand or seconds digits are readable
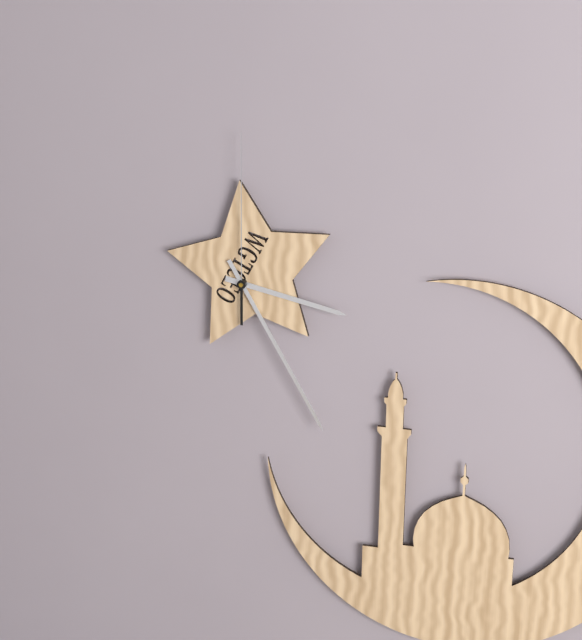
3:25:00
